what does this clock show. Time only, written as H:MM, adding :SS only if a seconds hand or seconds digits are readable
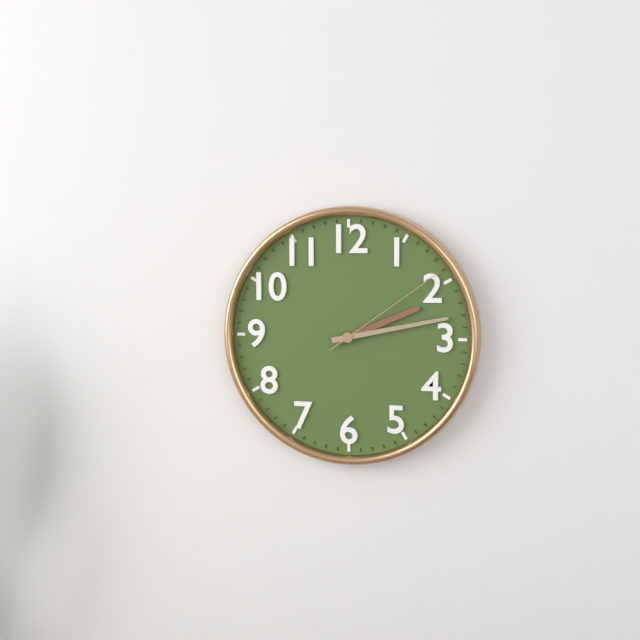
2:13:09
